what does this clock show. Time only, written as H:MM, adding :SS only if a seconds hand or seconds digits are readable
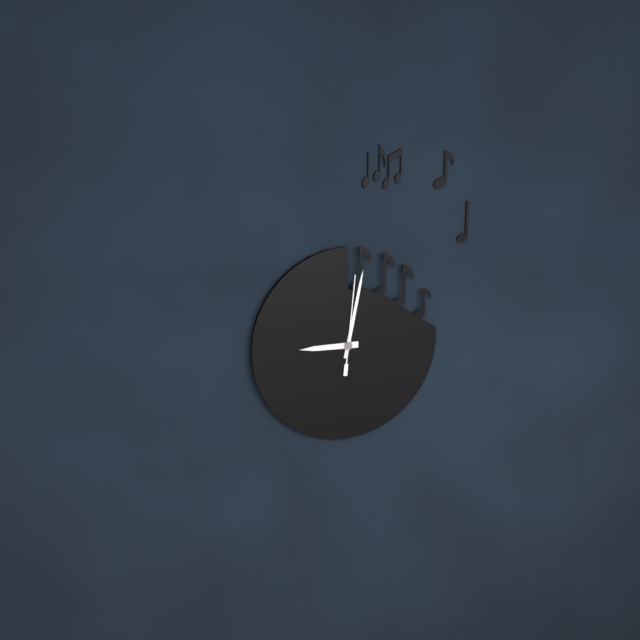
9:02:01
